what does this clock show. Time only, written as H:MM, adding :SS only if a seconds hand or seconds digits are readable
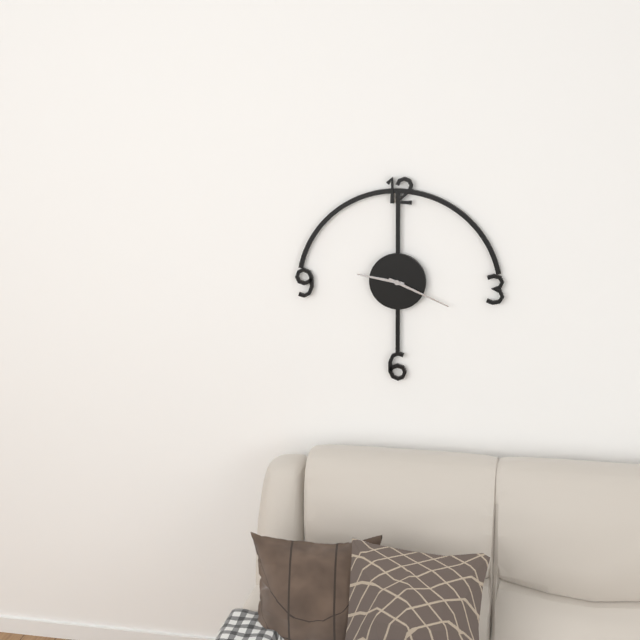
9:19
